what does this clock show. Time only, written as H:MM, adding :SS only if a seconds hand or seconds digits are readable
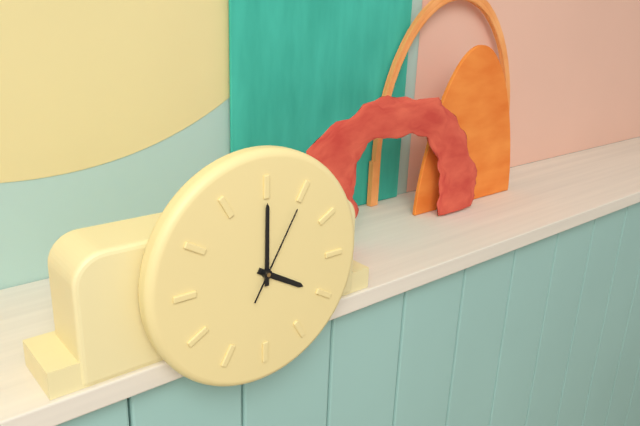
4:00:05
